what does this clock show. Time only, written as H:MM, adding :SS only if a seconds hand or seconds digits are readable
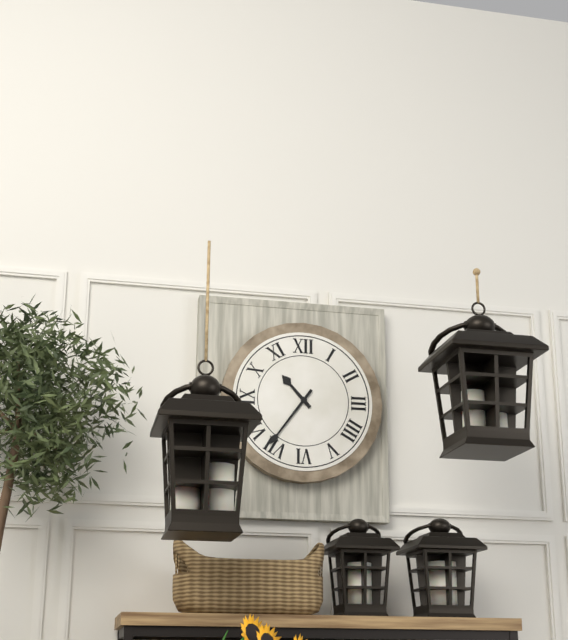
10:36
